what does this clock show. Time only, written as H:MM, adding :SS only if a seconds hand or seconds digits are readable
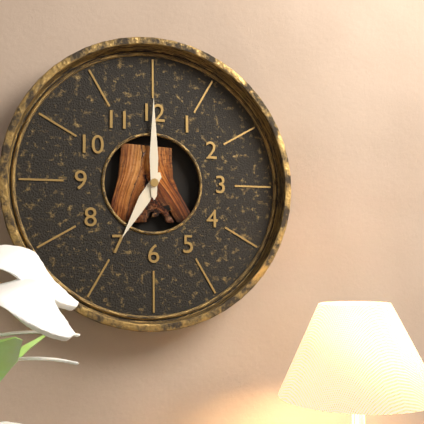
7:00
